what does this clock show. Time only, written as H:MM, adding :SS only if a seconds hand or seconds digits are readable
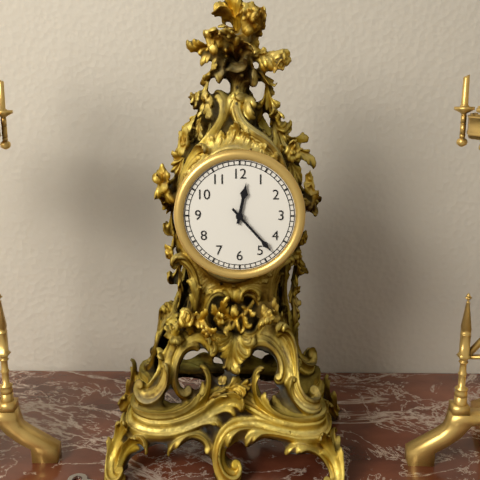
12:23
